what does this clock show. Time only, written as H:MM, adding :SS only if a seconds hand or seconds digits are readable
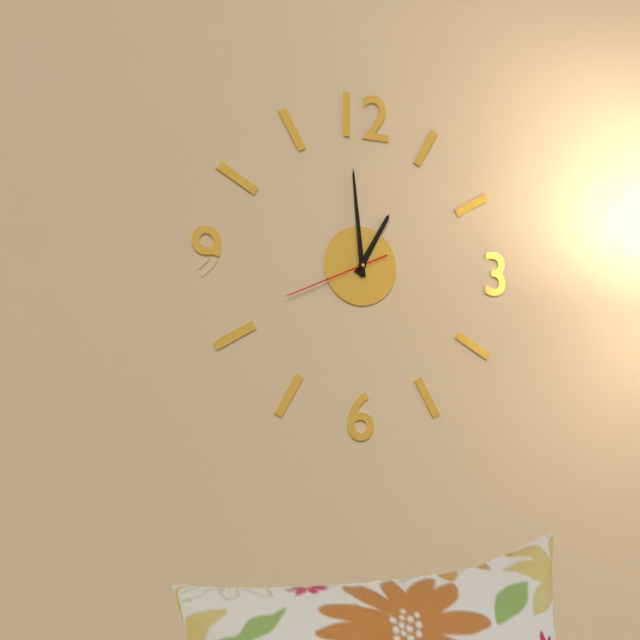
12:59:41
